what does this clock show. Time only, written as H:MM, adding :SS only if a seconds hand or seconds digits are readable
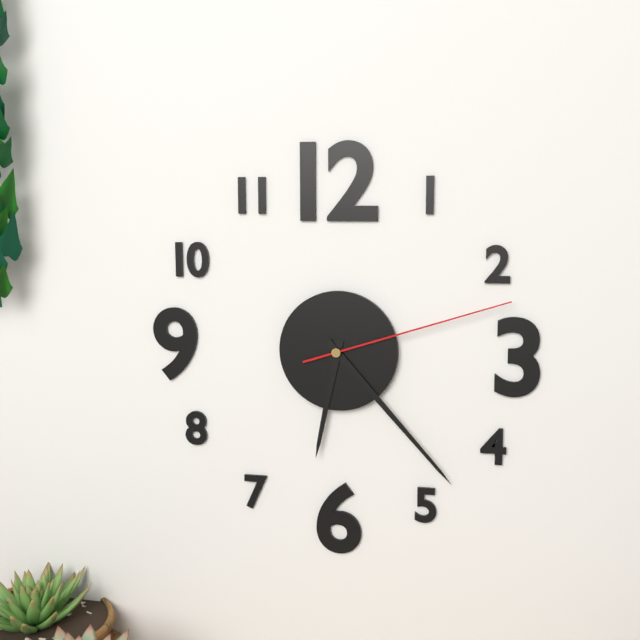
6:23:12
